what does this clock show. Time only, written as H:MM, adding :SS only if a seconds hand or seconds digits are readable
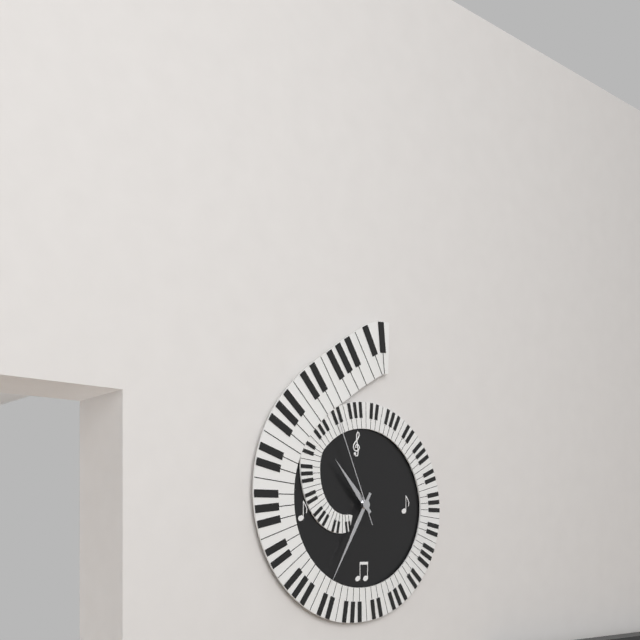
10:35:56
